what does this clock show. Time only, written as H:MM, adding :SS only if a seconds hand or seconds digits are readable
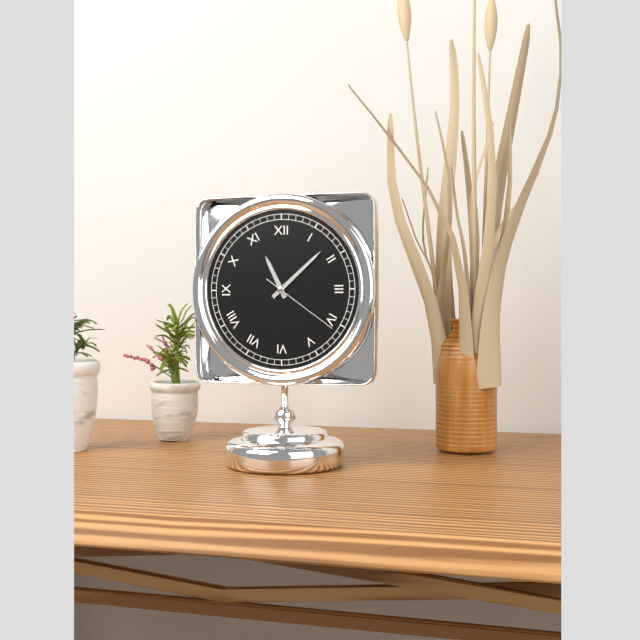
11:08:21
